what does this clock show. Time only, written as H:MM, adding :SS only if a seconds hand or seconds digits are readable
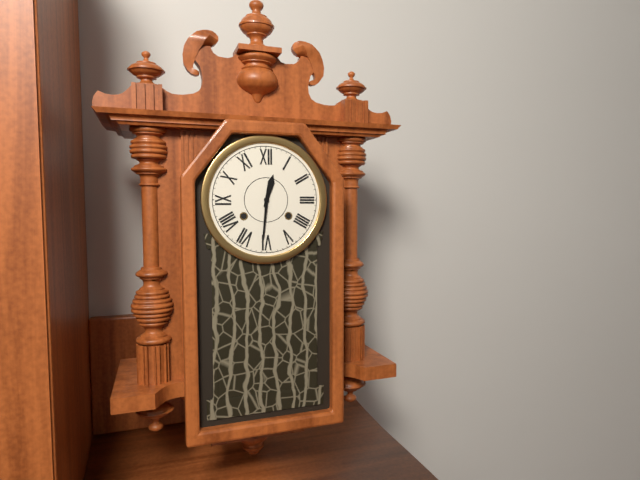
12:31
